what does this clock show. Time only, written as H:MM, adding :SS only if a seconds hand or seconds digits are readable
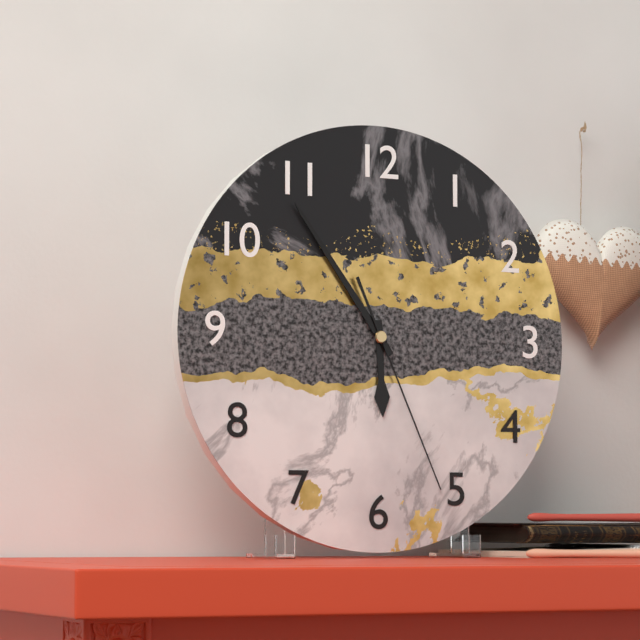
5:54:26
